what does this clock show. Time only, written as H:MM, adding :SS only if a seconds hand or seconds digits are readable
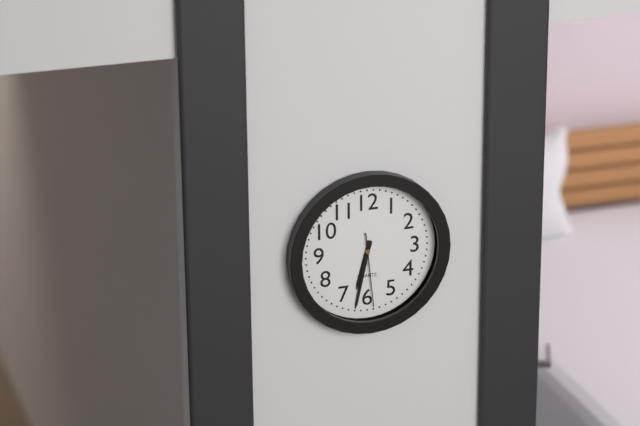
6:32:29
